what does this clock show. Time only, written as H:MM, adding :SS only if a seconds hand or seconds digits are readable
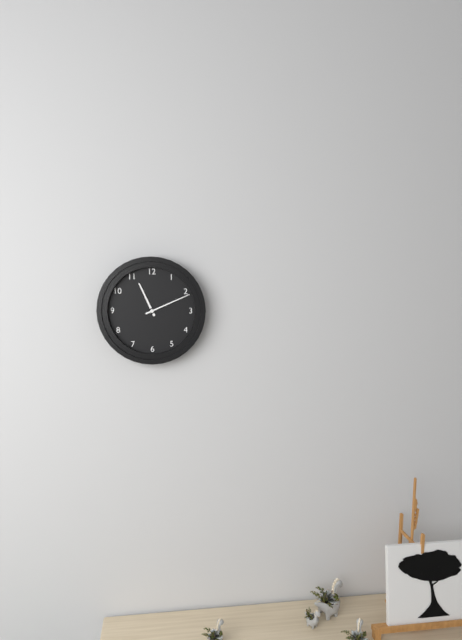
11:11
